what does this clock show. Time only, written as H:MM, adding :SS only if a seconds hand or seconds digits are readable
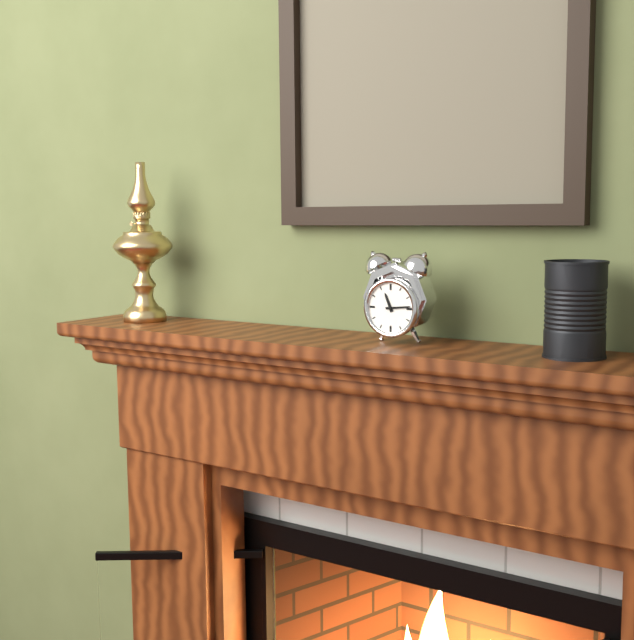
11:14
